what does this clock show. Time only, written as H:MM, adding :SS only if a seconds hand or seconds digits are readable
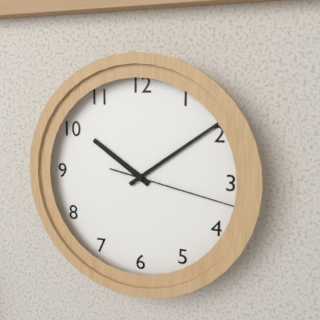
10:09:17
